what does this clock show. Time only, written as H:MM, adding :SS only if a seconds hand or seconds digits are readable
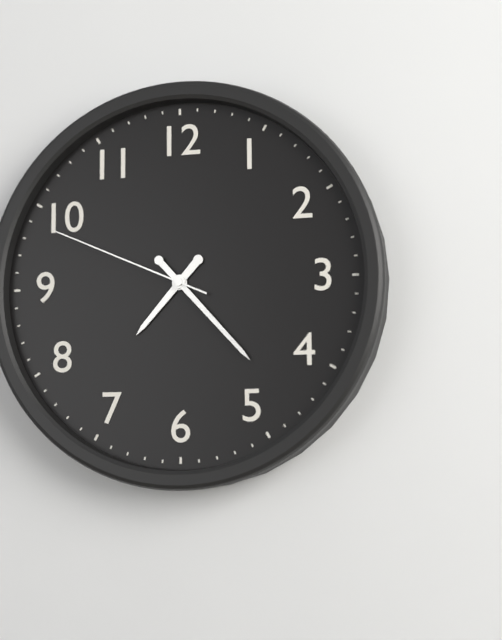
7:23:49
